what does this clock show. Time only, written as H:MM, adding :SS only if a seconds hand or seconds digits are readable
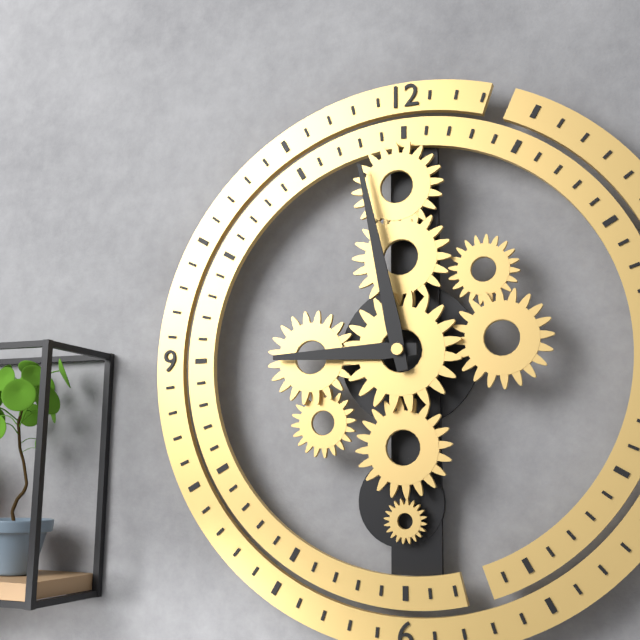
8:58
